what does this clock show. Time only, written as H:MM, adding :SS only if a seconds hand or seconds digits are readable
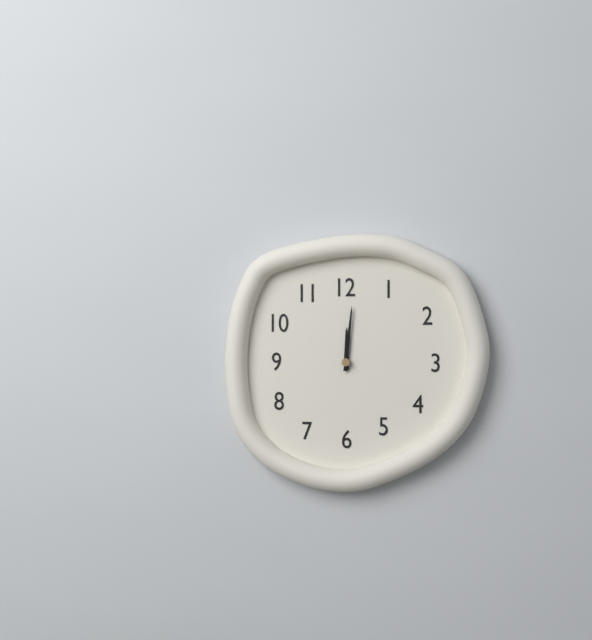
12:01
